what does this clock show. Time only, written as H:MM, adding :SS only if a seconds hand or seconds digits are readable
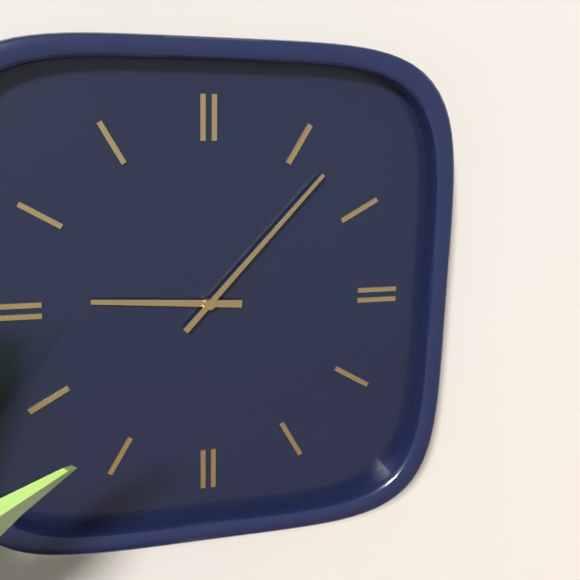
9:07
